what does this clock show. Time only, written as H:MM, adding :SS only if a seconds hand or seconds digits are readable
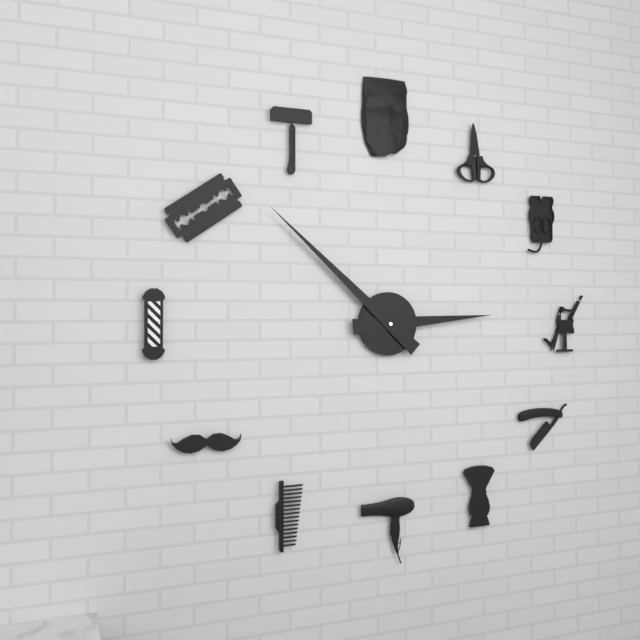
2:52
